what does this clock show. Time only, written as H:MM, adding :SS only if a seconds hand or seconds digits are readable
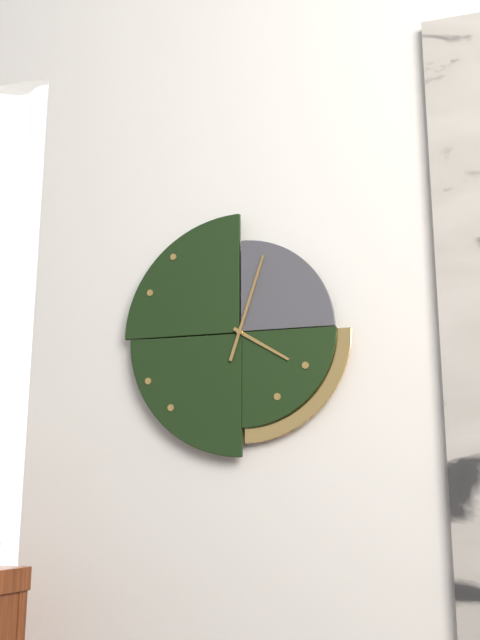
4:03
